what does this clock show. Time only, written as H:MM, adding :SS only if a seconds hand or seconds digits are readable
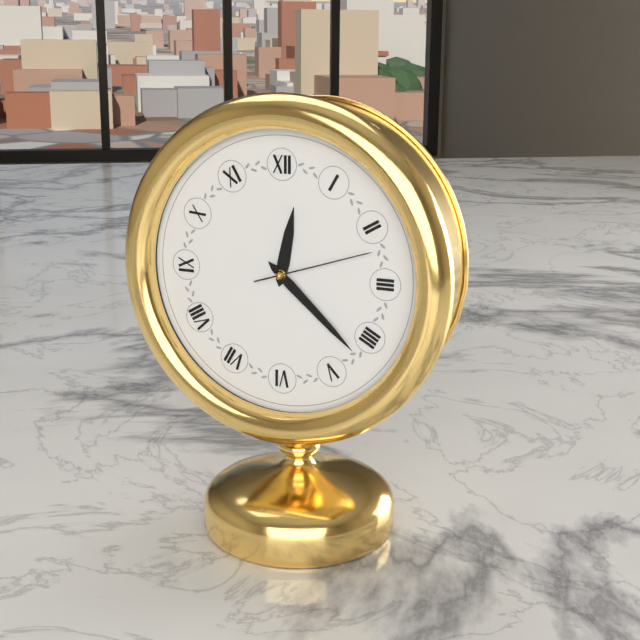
12:22:12
